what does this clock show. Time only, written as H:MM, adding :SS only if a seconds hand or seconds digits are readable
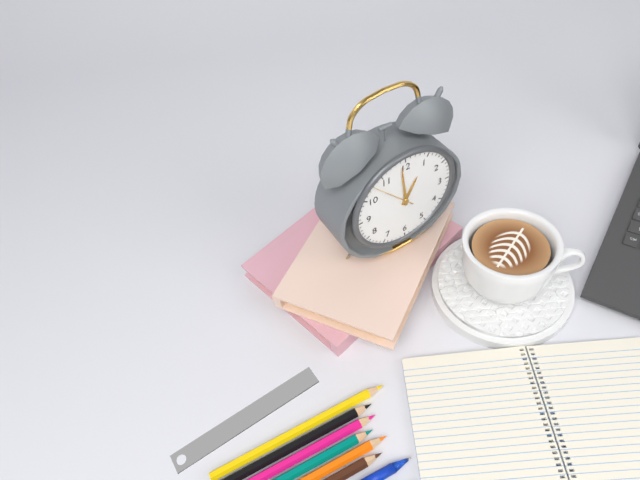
12:59
